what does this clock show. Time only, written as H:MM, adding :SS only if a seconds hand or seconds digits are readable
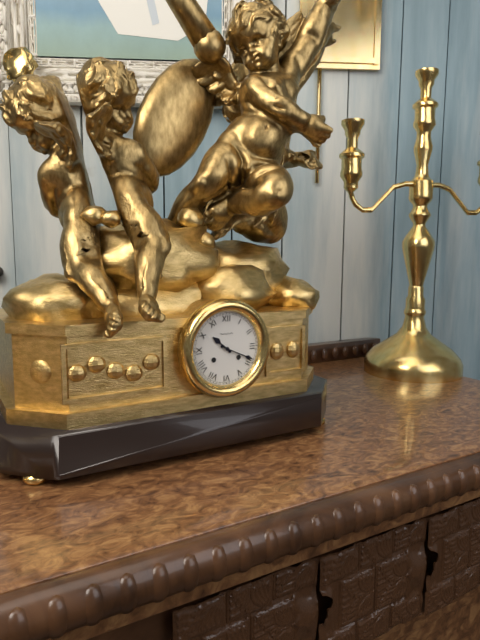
10:19
